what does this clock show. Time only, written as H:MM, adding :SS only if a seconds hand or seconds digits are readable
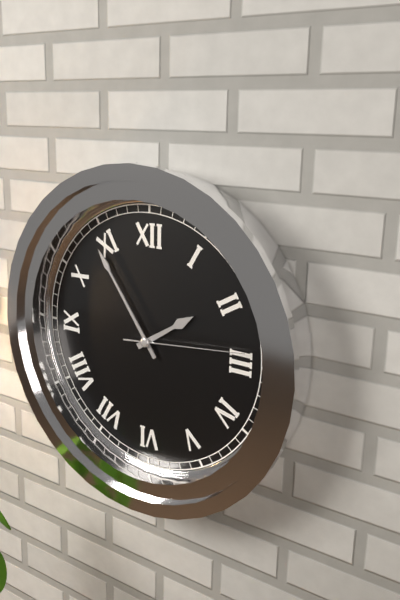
1:54:14
